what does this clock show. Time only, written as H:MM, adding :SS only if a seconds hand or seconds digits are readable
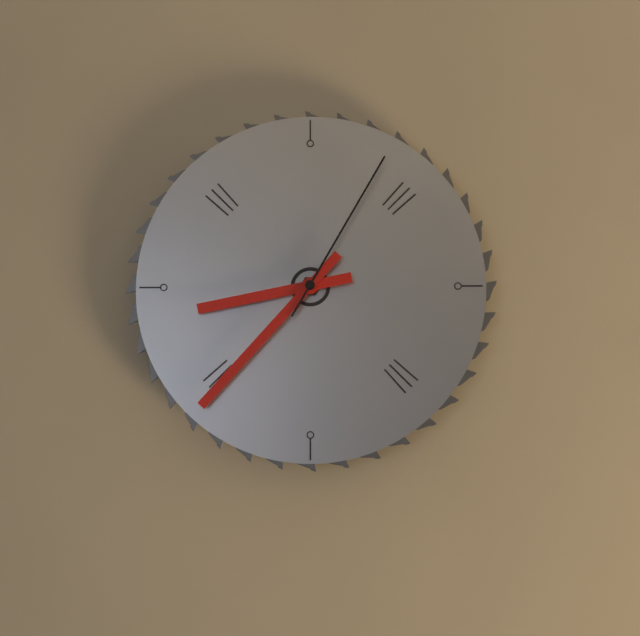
8:37:05
